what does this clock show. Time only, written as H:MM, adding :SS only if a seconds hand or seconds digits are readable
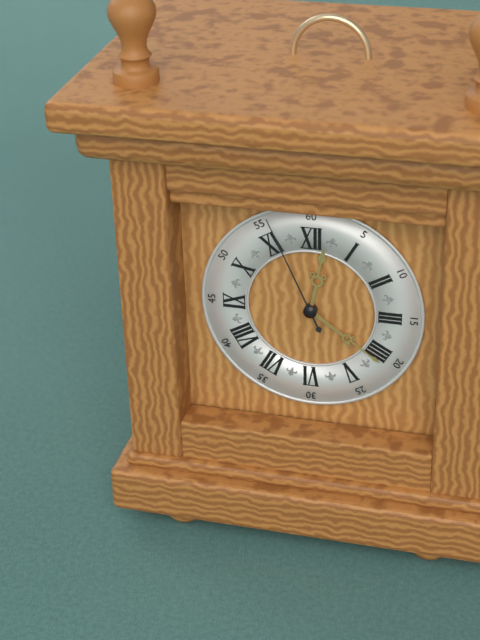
12:21:56
